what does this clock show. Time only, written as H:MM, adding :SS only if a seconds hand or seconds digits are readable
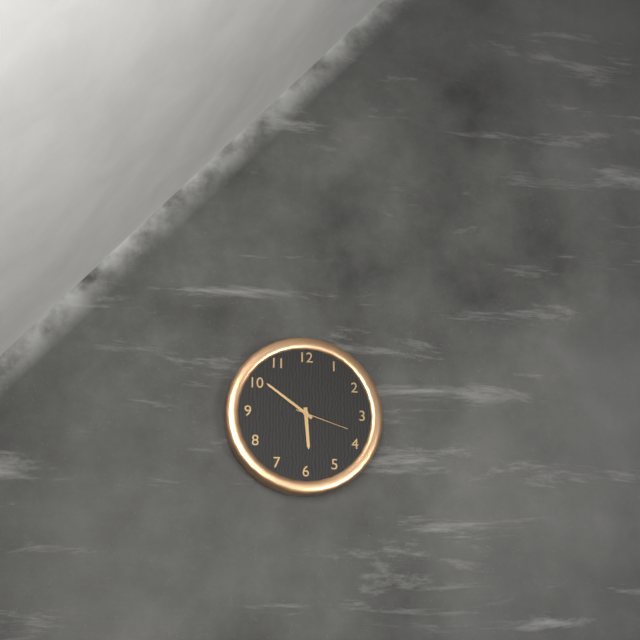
5:51:18
